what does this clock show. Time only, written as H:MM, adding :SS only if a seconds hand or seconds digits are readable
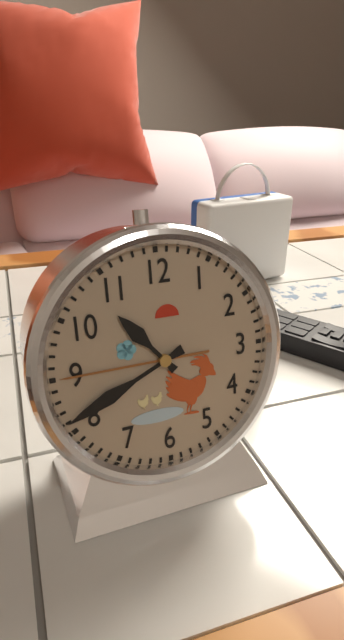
10:41
